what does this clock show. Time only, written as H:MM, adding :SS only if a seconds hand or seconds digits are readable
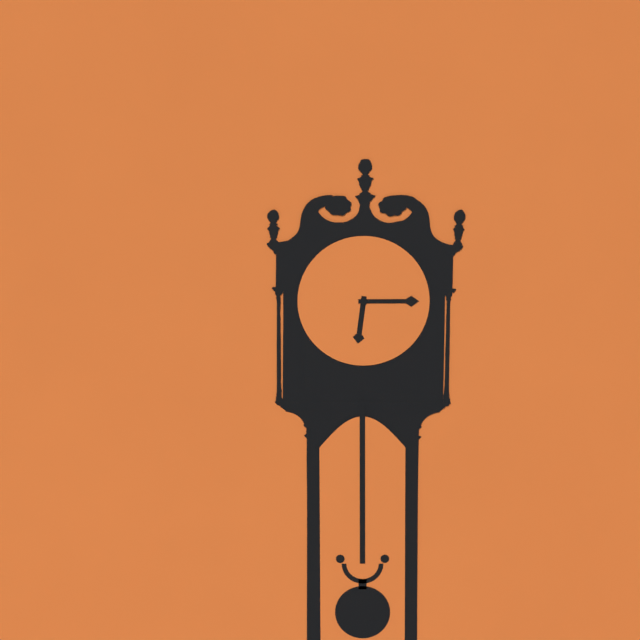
6:15
